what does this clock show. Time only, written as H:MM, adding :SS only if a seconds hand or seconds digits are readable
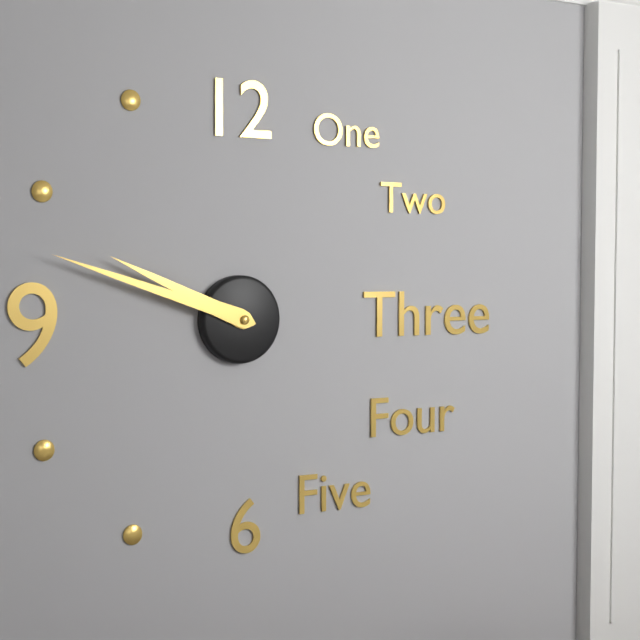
9:48
